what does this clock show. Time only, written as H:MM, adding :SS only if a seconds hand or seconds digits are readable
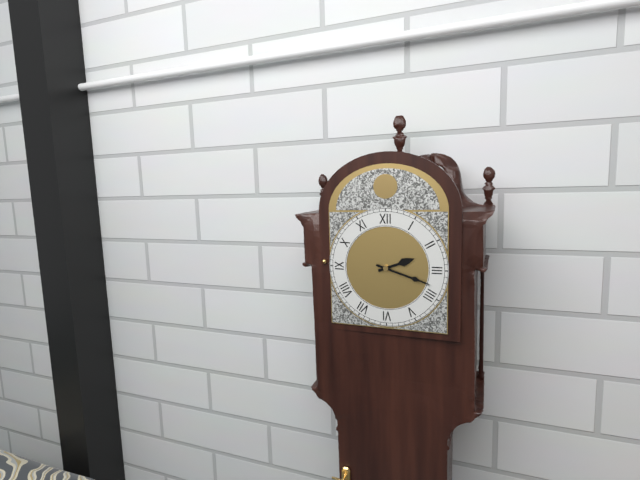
2:18
